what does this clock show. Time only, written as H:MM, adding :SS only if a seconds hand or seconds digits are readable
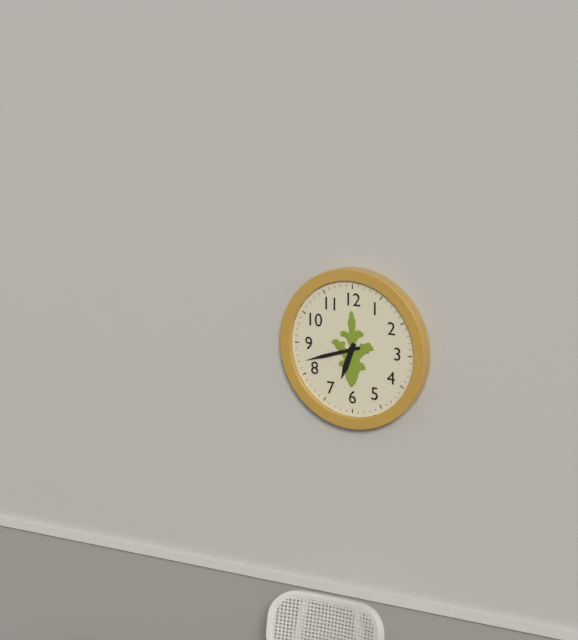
6:42
